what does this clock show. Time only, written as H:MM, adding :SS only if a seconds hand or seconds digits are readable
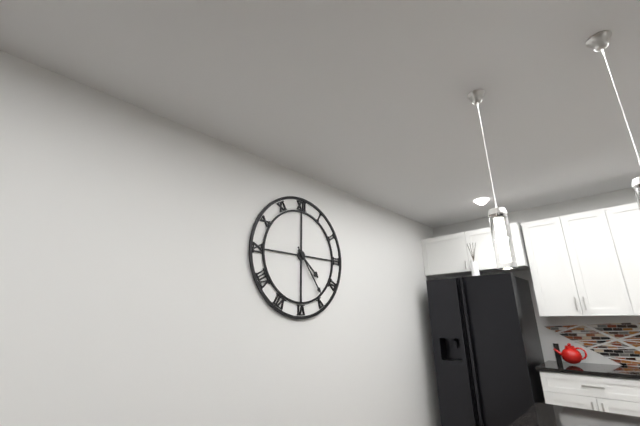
4:24
